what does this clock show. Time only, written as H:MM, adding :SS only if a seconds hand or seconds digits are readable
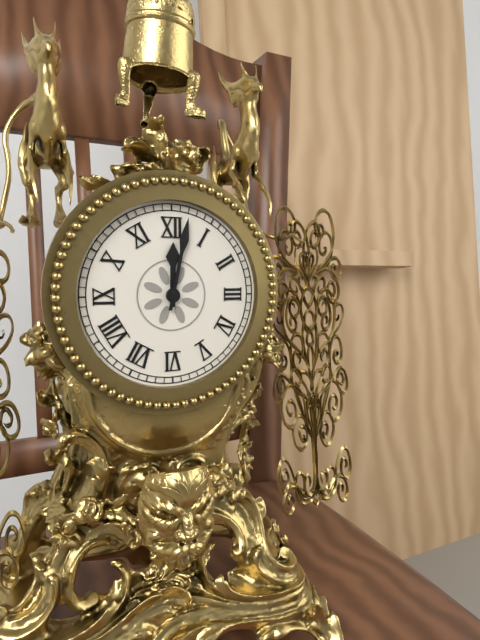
12:02
